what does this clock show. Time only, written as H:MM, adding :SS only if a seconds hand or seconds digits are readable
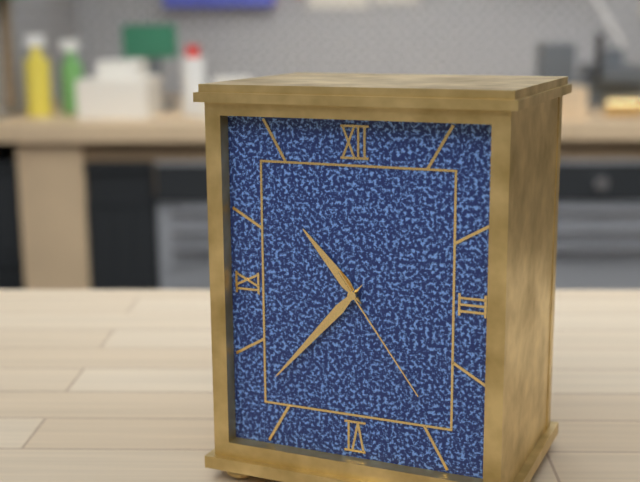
10:37:24
